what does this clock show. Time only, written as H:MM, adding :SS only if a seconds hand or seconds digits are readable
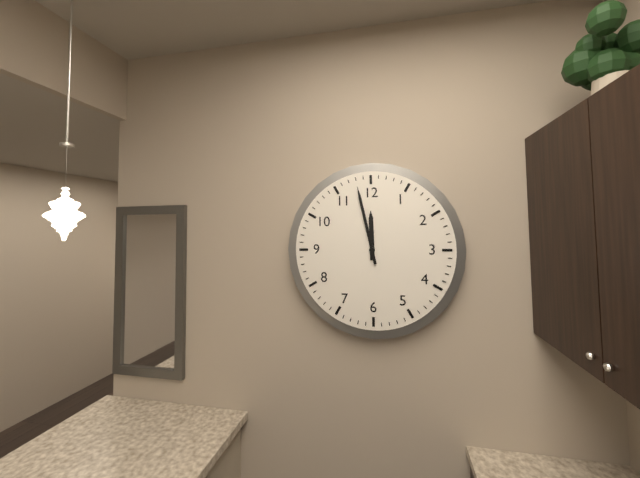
11:58
